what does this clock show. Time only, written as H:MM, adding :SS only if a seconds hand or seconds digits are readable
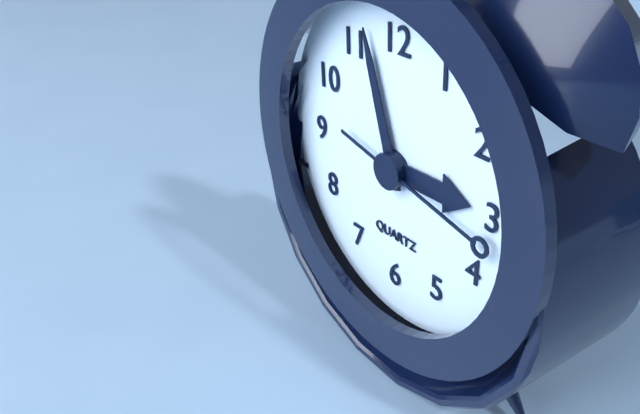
2:57:17
